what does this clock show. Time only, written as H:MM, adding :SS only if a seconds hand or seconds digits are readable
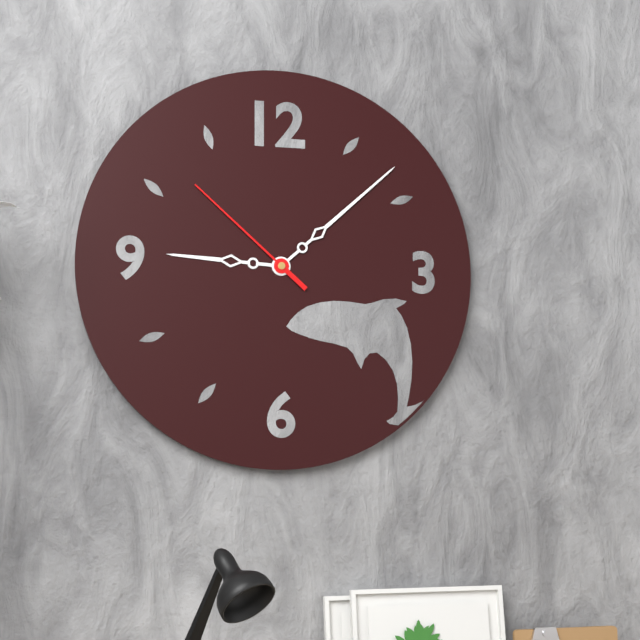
9:08:52
